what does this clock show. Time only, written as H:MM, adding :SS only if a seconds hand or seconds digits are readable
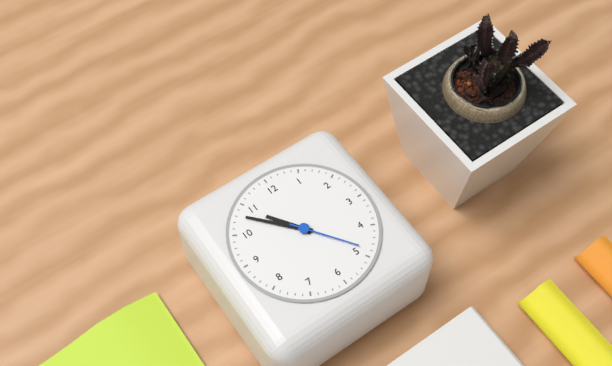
10:53:24
